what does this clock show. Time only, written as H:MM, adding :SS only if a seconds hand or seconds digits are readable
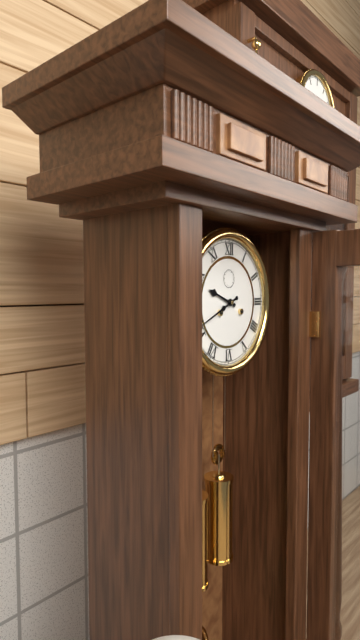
9:41
